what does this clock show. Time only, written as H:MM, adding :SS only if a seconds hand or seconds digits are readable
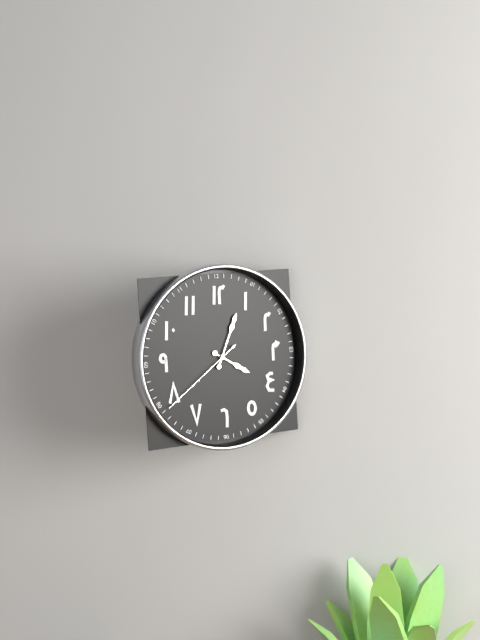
4:04:39
